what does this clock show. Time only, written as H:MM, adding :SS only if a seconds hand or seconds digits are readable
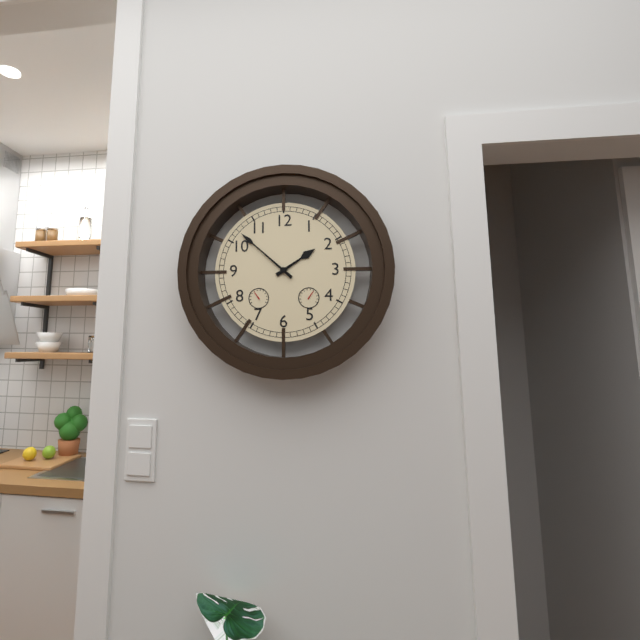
1:52
